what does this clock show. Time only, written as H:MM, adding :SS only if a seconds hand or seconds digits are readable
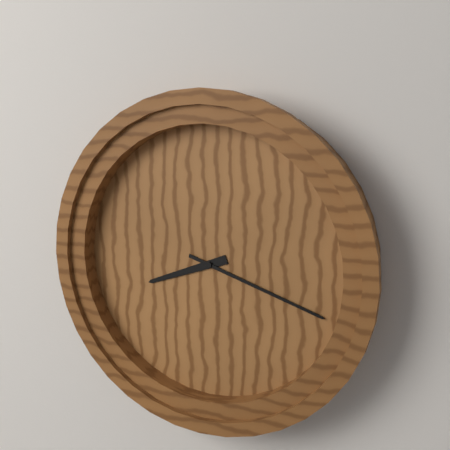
8:18
